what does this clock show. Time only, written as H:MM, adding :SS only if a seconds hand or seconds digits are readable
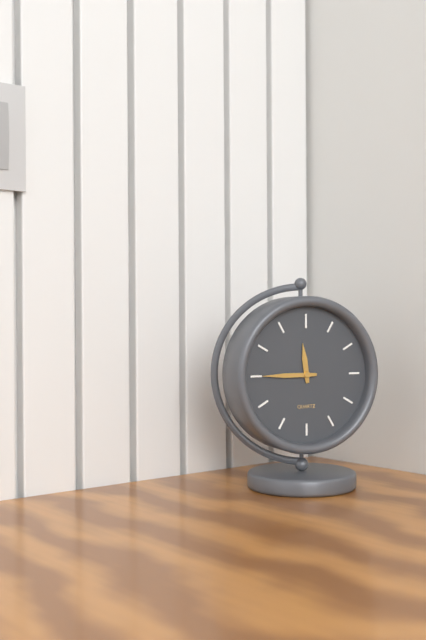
11:45
